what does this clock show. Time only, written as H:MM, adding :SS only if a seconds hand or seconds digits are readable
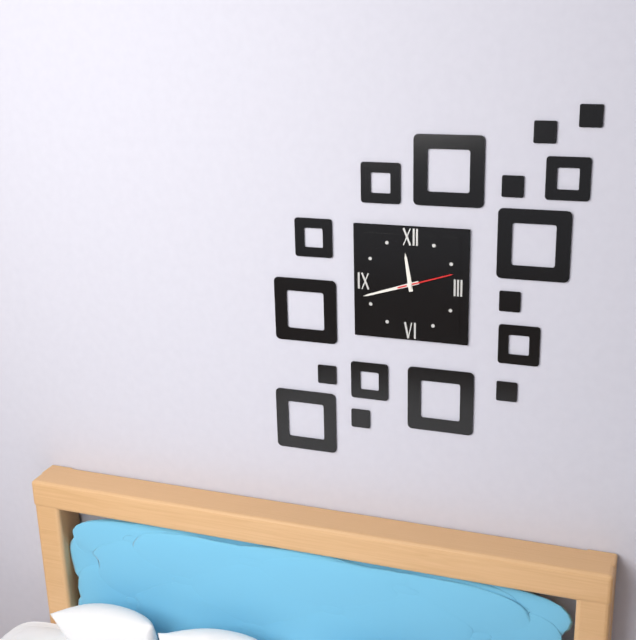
11:42:12
